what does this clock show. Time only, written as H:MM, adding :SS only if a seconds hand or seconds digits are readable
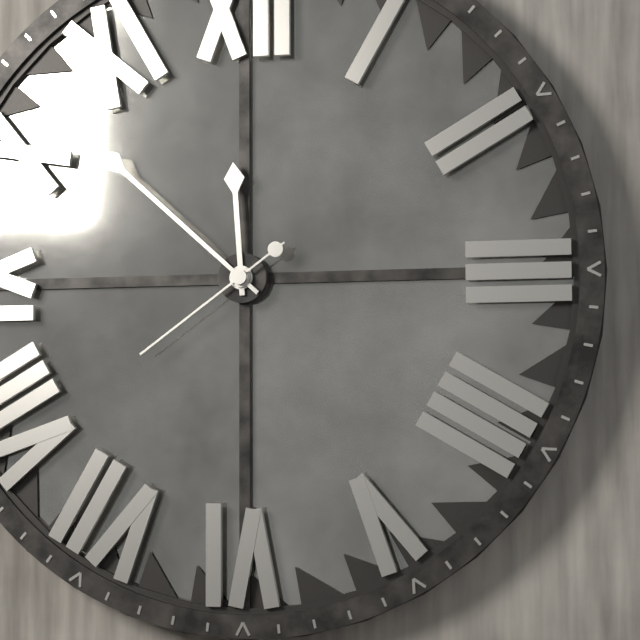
11:52:39
